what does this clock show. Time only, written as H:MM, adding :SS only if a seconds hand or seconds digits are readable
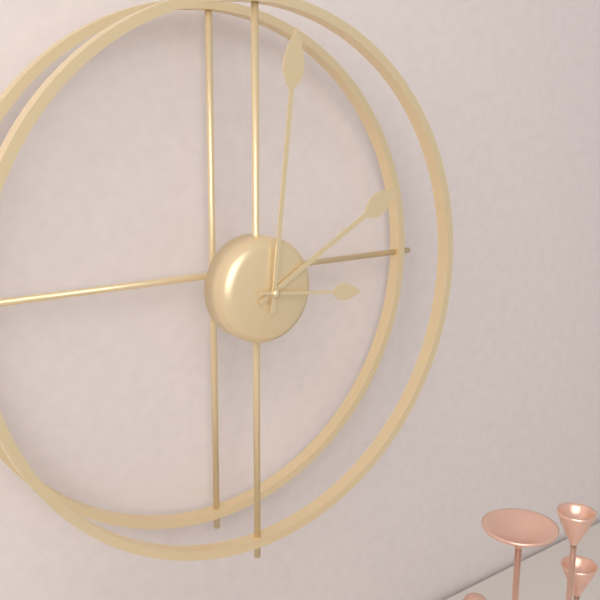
2:01:16
